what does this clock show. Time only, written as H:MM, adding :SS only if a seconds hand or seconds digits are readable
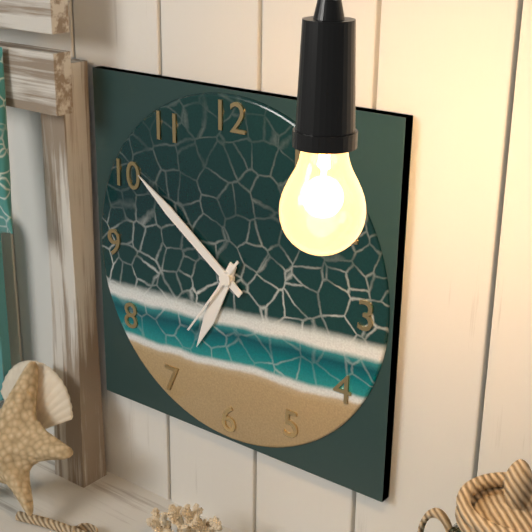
6:51:36
